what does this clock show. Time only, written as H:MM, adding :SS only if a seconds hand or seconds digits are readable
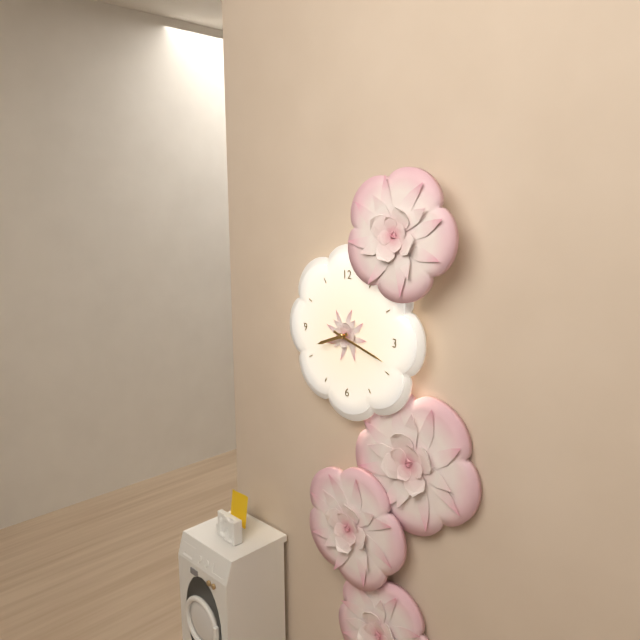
8:18
